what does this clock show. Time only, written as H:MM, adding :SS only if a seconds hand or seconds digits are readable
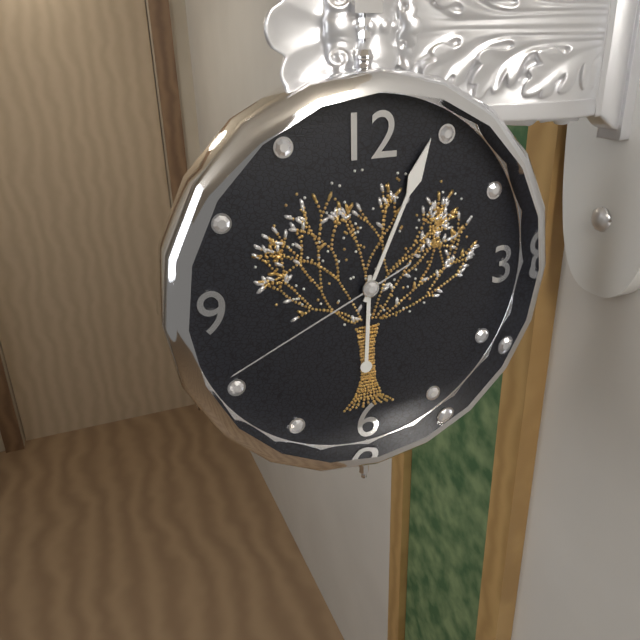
6:04:41
